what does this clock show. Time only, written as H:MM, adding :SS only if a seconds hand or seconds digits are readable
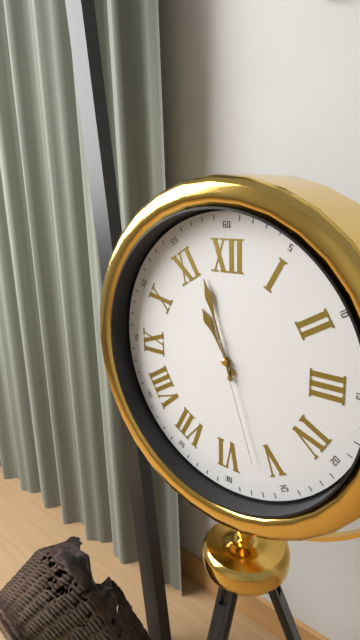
10:57:27
